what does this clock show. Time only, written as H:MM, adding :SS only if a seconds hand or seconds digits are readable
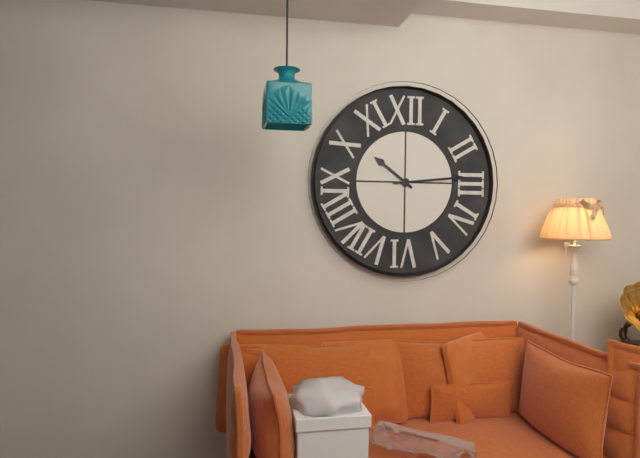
10:14
